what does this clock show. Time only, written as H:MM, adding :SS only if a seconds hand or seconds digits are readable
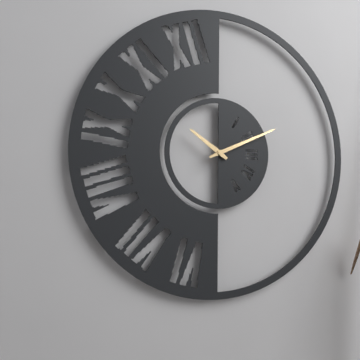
10:11
